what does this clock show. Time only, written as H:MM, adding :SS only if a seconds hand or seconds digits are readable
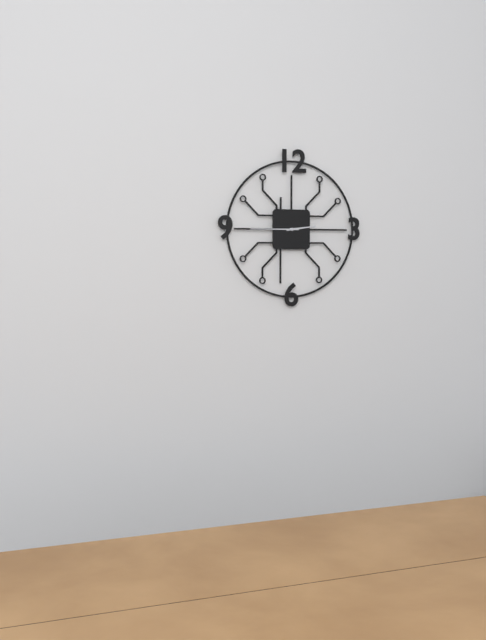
2:45
